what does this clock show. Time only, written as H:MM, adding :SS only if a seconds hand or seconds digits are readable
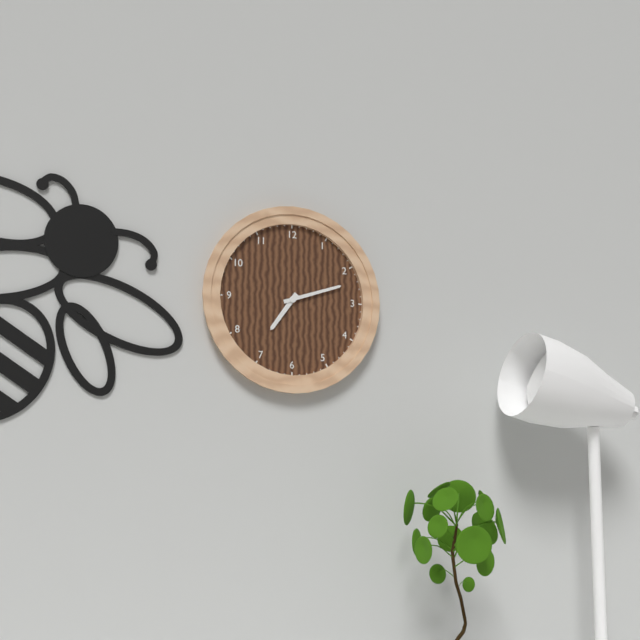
7:12
